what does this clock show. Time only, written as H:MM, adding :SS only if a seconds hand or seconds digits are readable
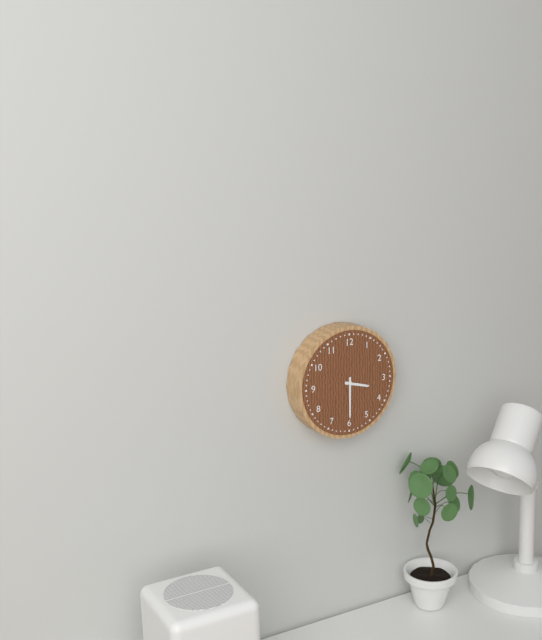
3:30
